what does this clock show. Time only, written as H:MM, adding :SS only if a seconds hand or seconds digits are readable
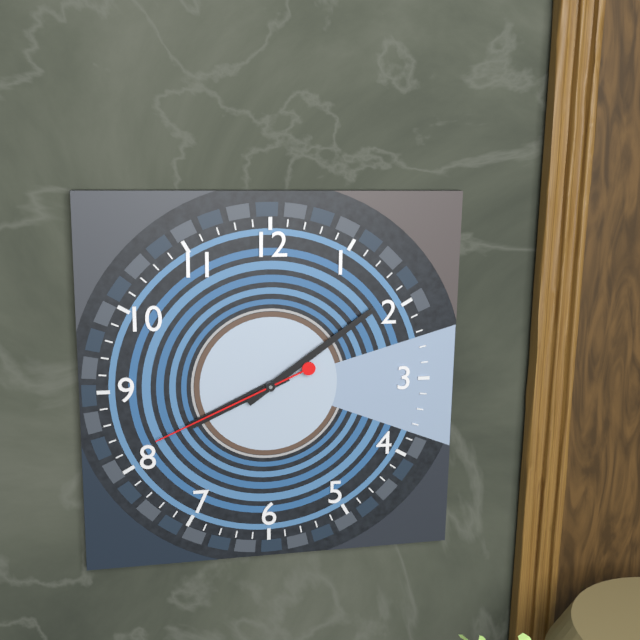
8:09:41
